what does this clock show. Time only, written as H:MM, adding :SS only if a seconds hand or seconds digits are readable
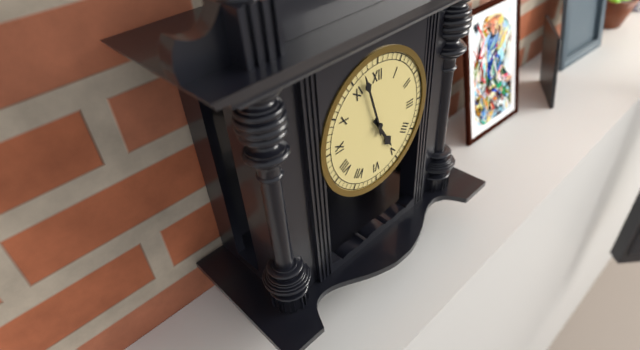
4:57
